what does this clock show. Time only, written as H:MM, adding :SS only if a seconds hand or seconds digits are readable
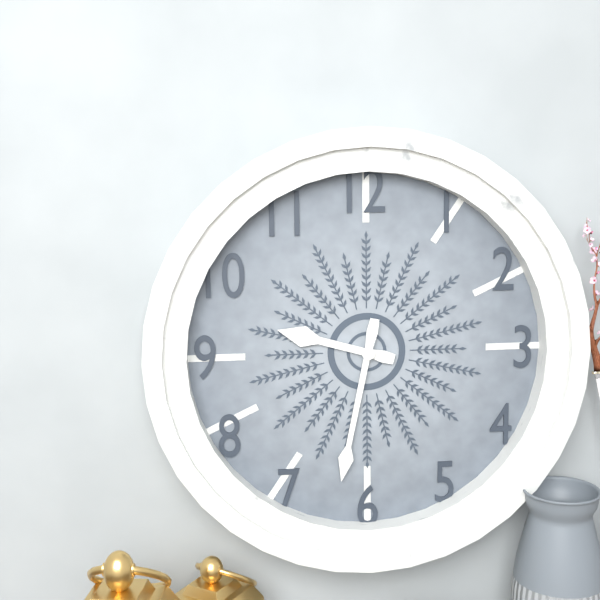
9:32
